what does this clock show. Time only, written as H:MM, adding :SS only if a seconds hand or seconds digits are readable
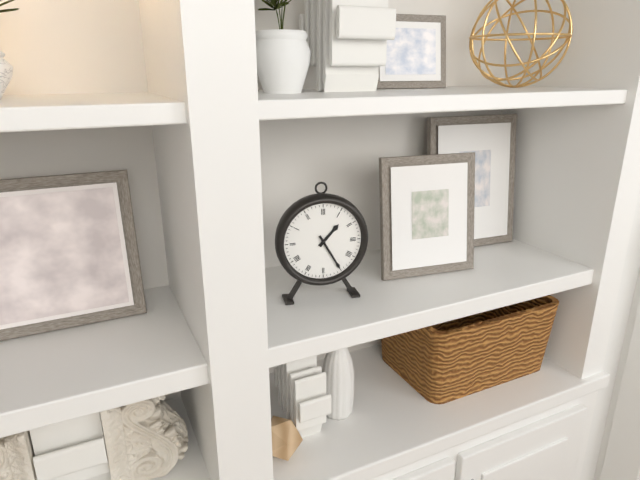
1:25
